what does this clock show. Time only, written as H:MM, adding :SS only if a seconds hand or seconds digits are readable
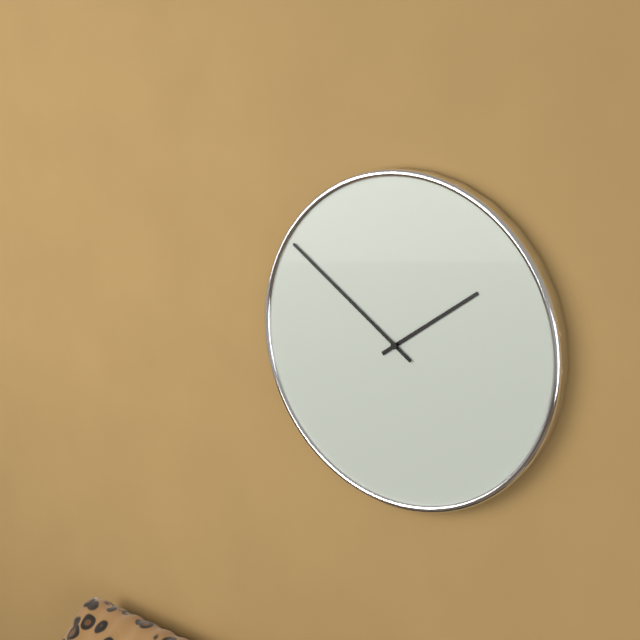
1:51
